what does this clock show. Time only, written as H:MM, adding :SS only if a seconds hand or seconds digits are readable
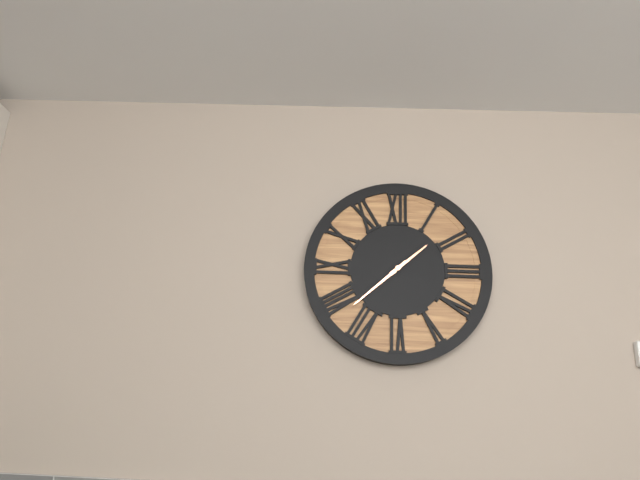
1:38
